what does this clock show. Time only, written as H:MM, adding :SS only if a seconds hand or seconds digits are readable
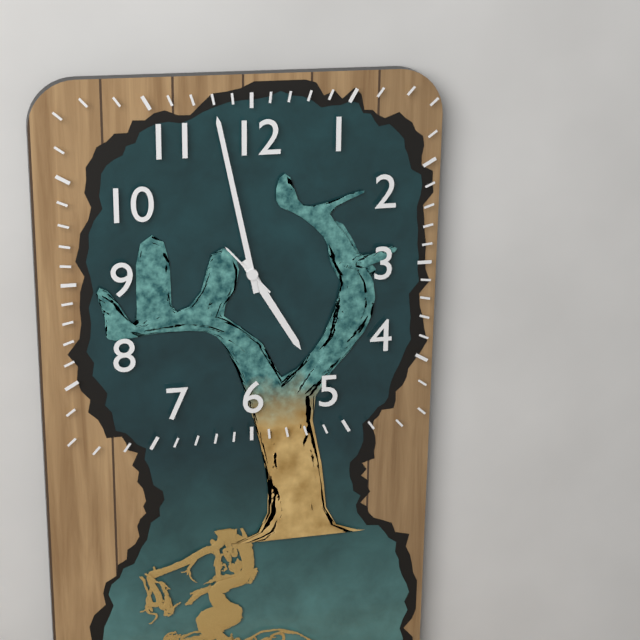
4:58
